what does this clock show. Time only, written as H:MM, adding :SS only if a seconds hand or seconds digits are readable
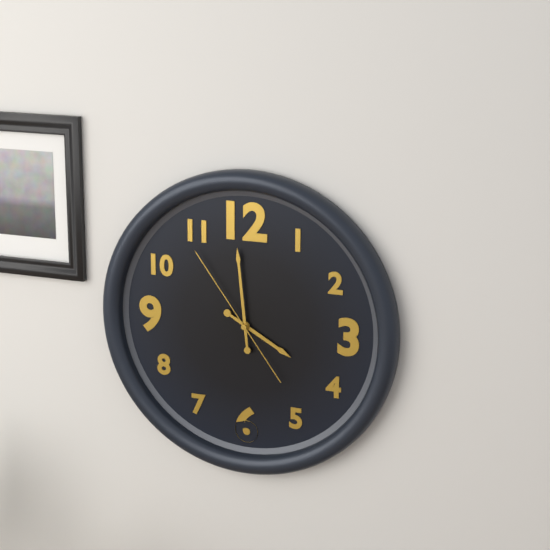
3:59:54
